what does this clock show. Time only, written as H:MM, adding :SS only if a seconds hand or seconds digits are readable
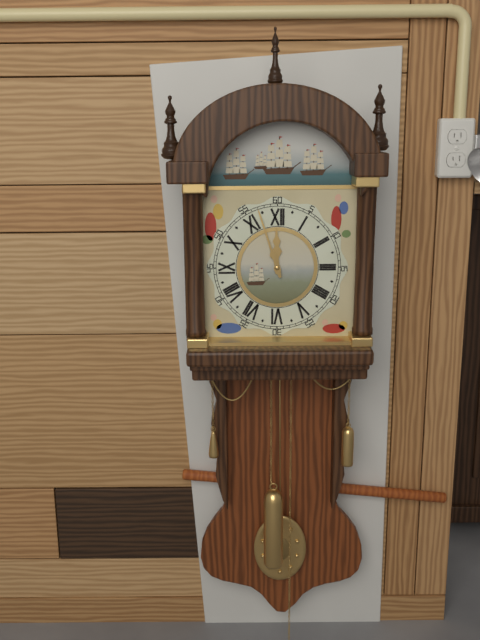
11:57
